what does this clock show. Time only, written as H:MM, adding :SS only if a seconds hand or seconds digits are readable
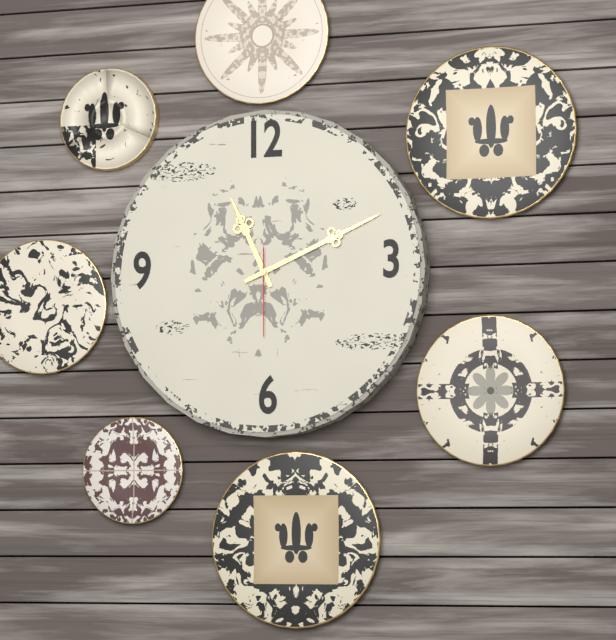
11:11:30
